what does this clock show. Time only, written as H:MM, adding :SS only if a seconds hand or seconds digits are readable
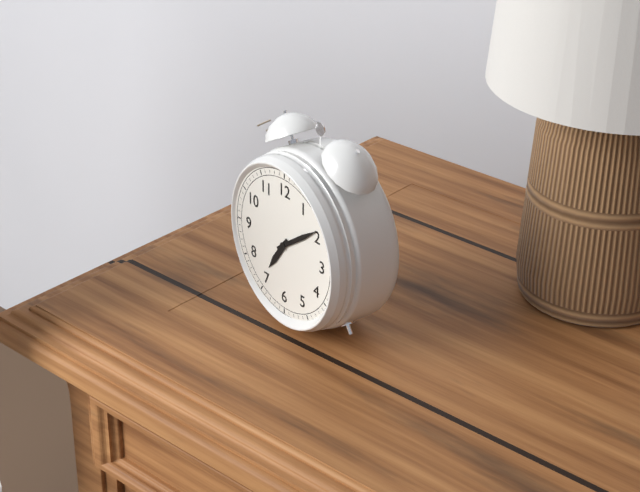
7:09
